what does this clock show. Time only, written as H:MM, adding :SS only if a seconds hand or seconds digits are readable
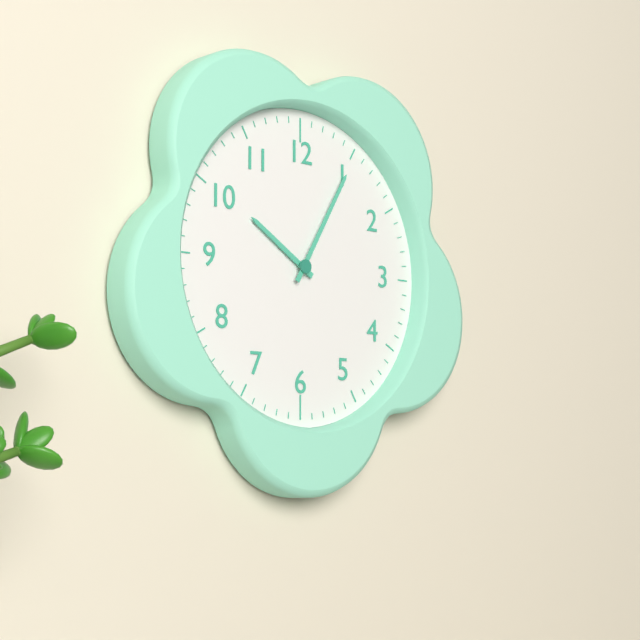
10:05
